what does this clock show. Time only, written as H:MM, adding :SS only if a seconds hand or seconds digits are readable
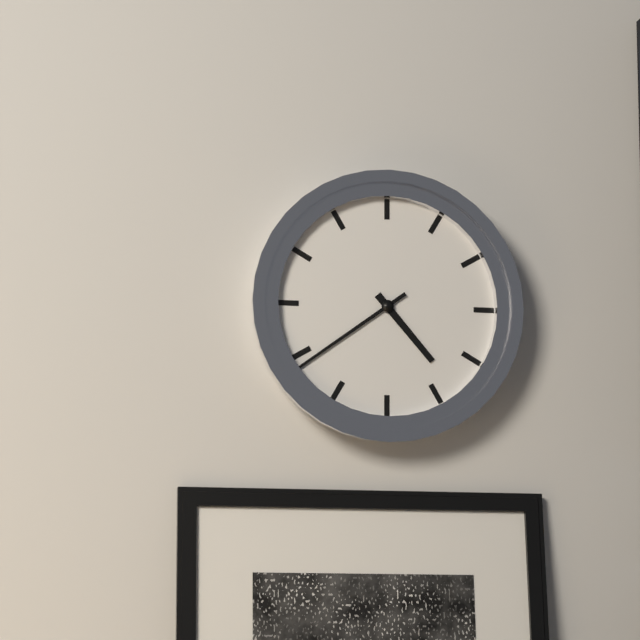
4:39
